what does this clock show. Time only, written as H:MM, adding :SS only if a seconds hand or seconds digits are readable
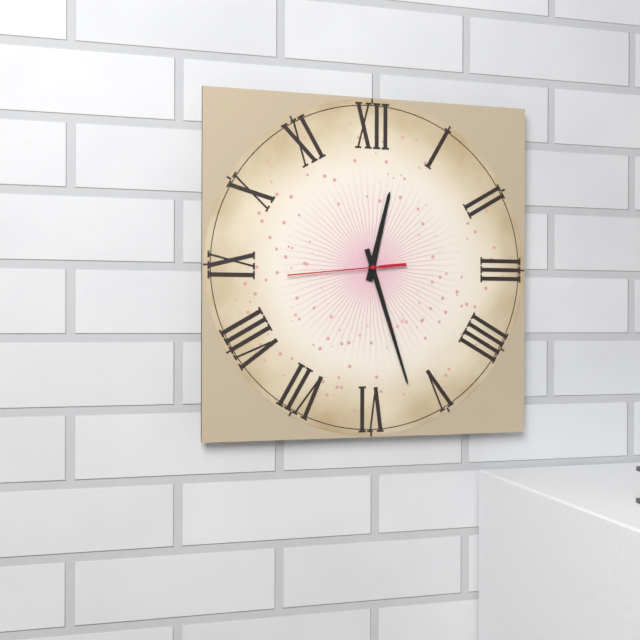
12:27:44
